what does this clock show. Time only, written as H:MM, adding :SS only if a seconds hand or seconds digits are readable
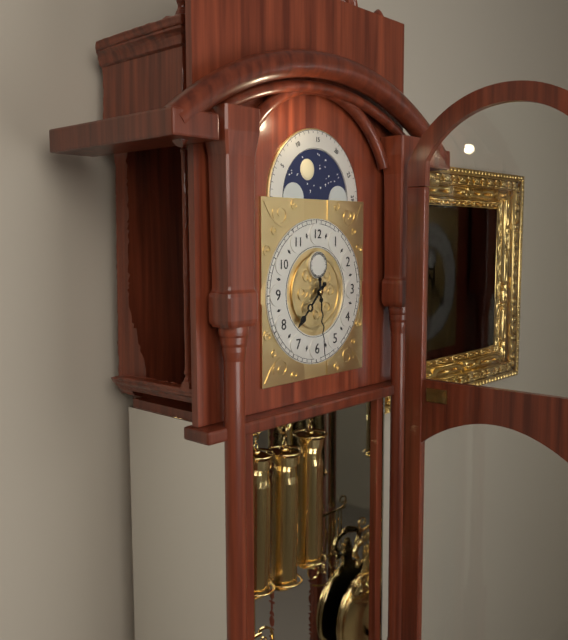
7:29
